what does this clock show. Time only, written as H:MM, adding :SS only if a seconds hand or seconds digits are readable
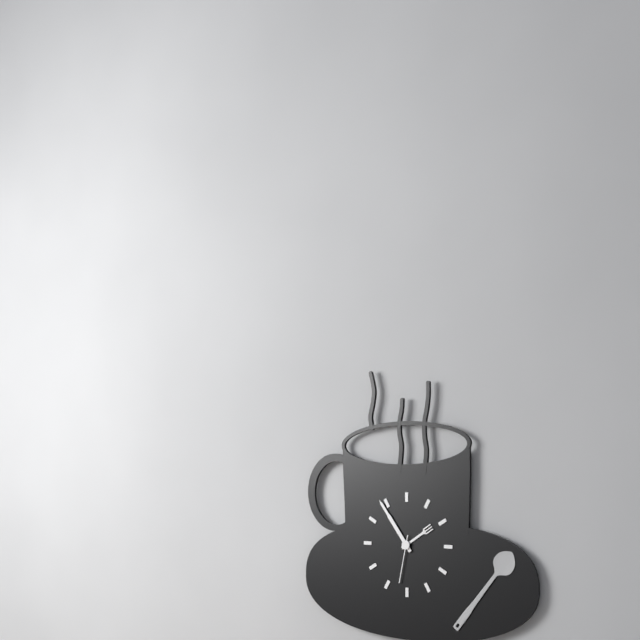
1:54
